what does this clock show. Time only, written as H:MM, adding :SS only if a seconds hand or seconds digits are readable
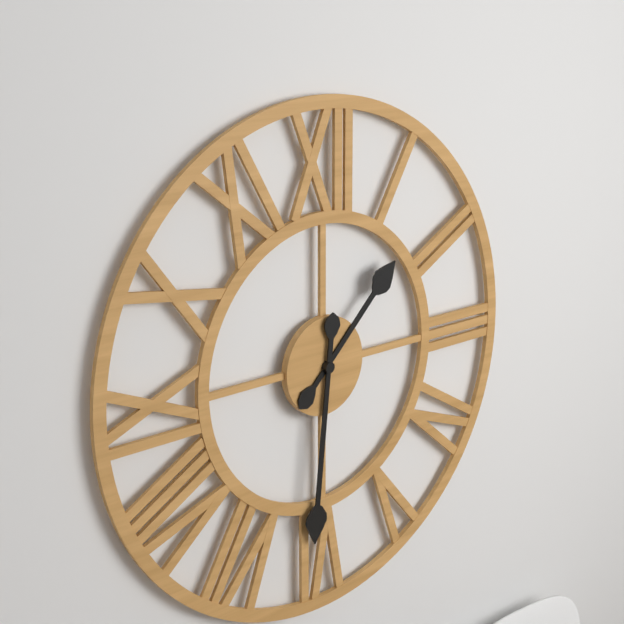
1:31
